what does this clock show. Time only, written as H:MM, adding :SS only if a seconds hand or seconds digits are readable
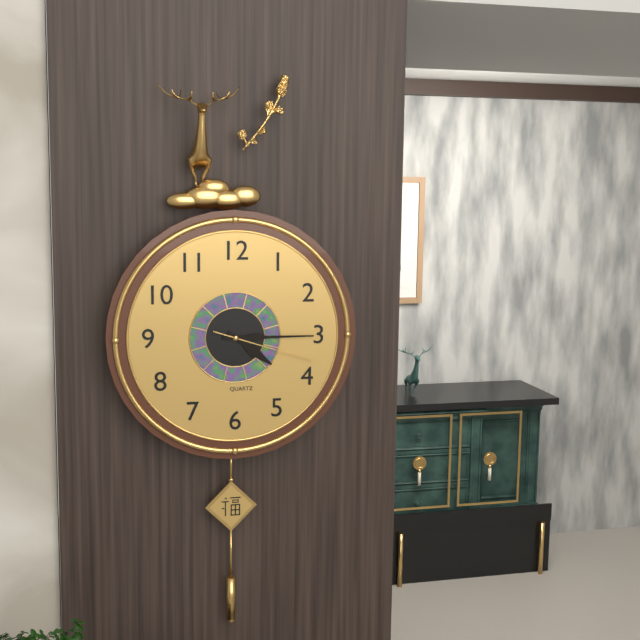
4:15:18
